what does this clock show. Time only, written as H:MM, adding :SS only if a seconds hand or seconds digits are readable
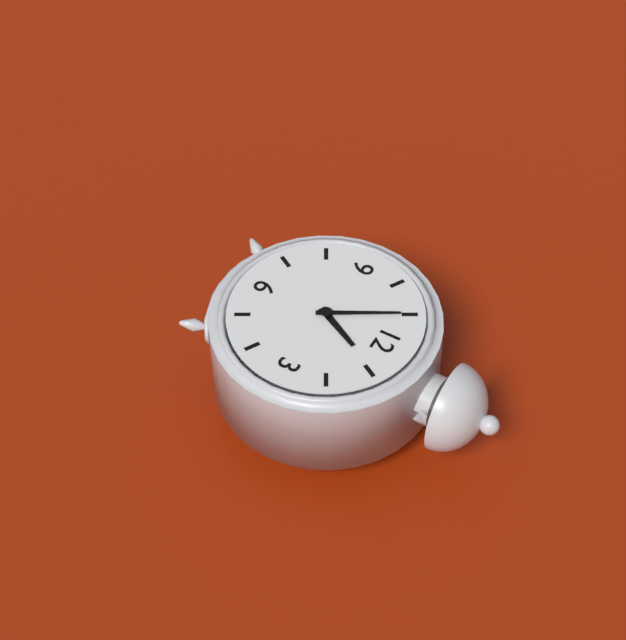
12:55
